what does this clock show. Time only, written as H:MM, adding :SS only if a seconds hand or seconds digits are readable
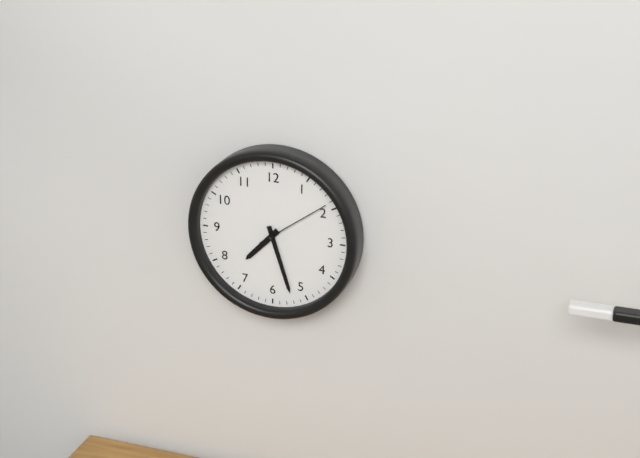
7:27:09
